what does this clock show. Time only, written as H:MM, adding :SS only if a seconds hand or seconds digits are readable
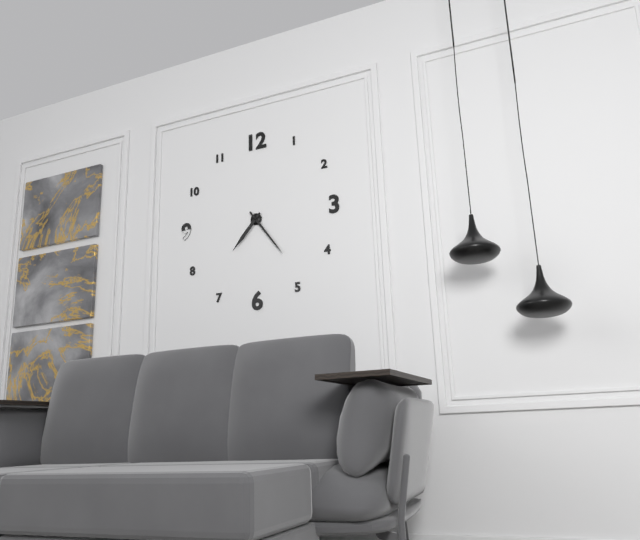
7:24
